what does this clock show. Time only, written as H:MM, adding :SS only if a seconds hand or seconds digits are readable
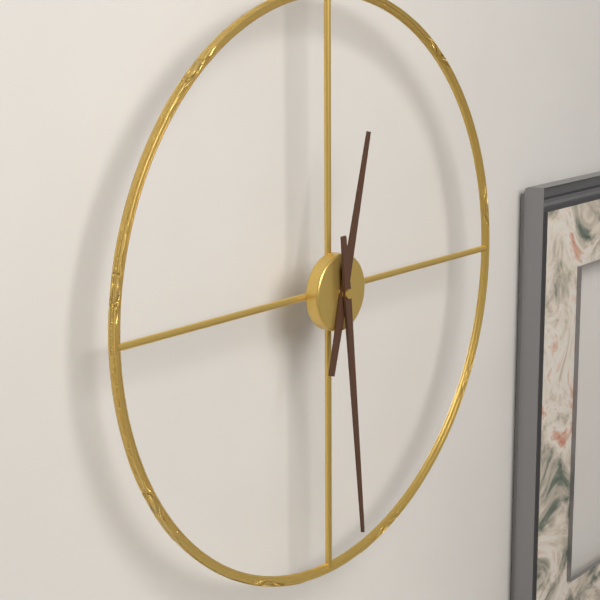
12:29
